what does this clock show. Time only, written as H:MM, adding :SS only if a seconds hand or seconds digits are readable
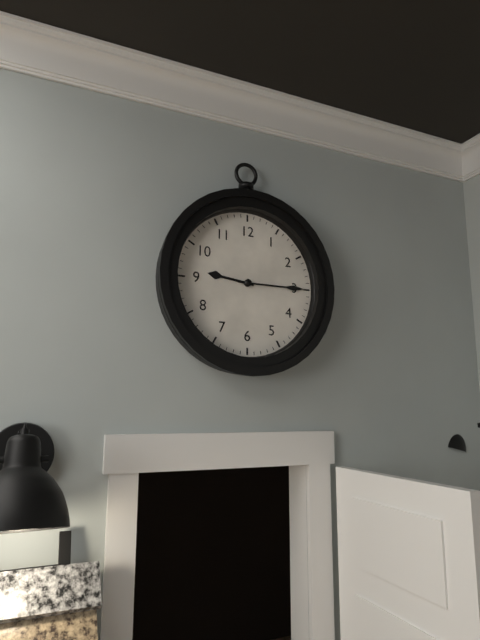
9:15
